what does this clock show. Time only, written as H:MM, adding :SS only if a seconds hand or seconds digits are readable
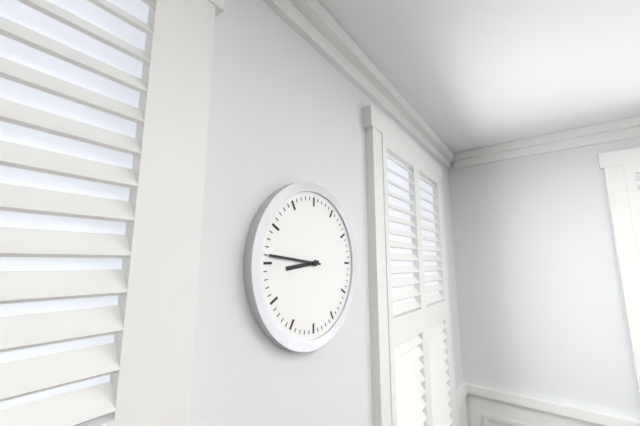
8:46
